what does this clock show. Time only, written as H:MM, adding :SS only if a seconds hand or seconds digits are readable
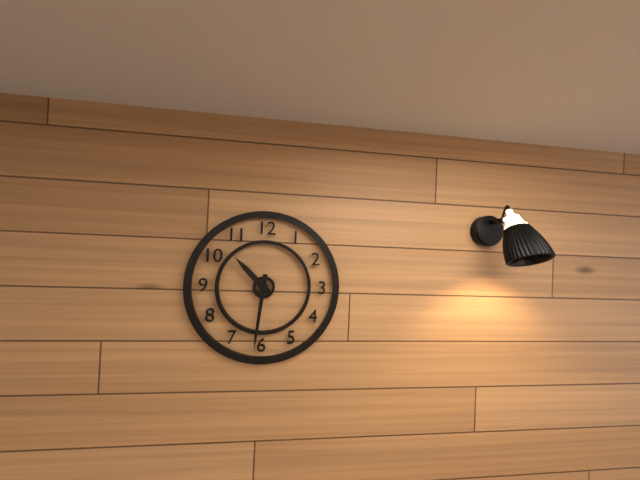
10:31
